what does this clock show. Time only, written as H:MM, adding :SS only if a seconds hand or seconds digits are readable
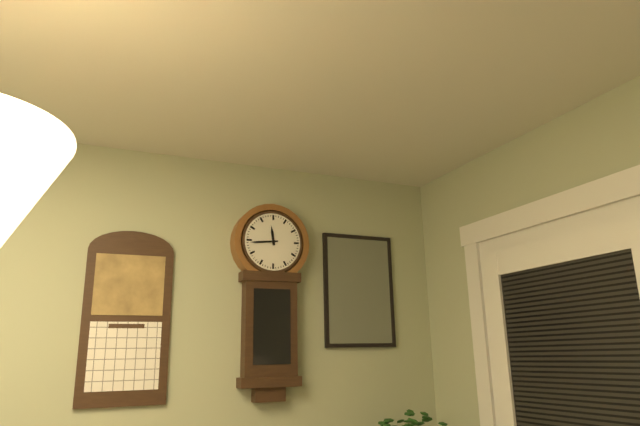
11:44
